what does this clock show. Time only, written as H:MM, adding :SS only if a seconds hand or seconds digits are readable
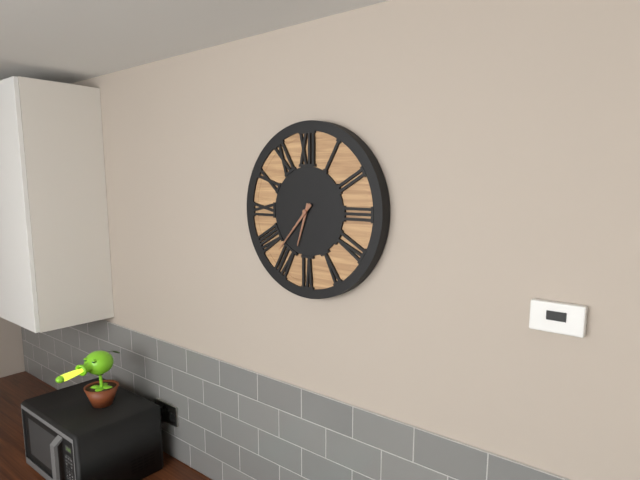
6:37
